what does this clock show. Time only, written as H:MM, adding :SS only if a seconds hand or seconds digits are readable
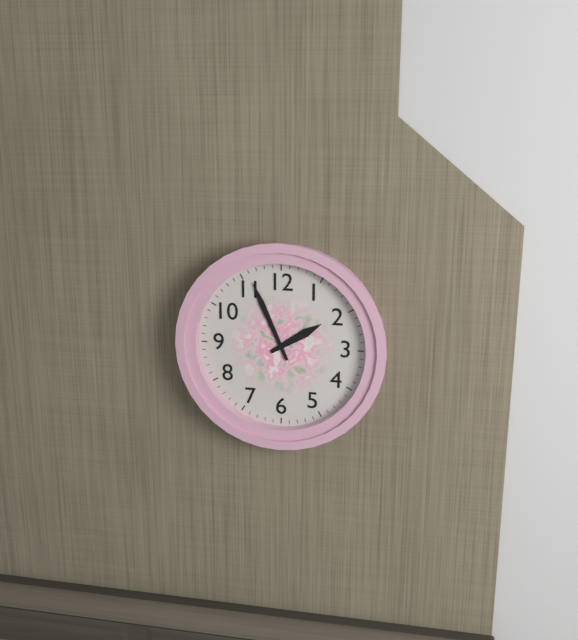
1:56
